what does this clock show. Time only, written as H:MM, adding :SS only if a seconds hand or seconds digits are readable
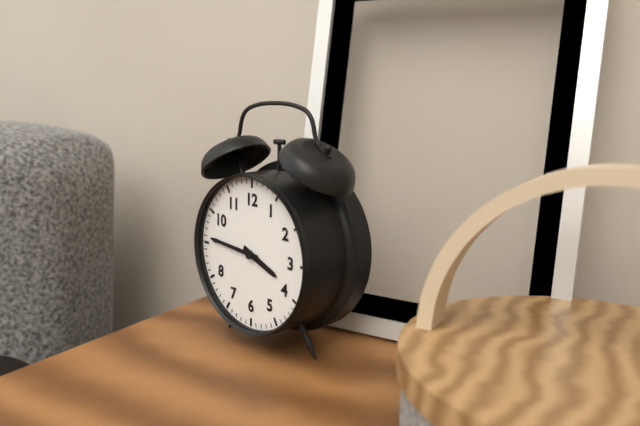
3:46
